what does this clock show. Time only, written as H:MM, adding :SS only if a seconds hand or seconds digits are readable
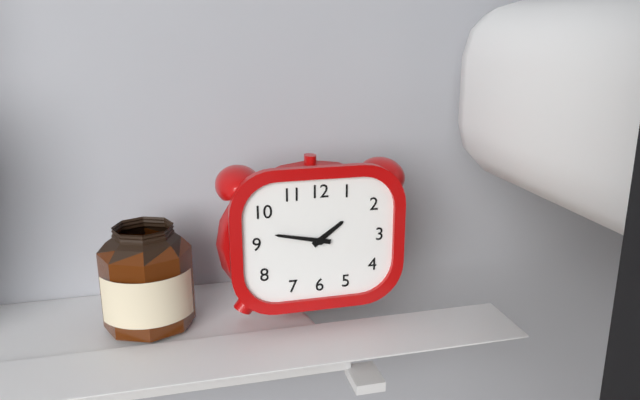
1:47
